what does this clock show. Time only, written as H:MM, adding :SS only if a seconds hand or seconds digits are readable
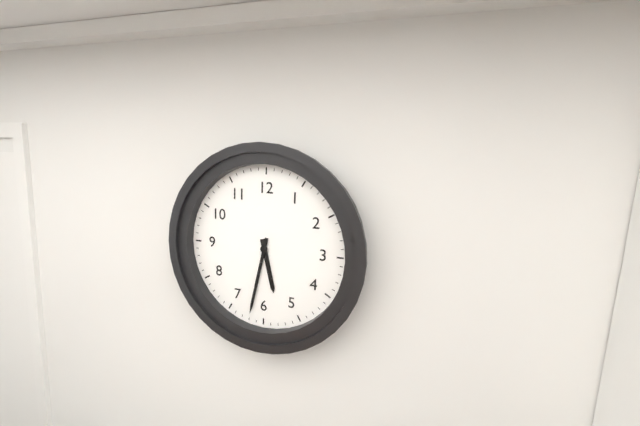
5:32
